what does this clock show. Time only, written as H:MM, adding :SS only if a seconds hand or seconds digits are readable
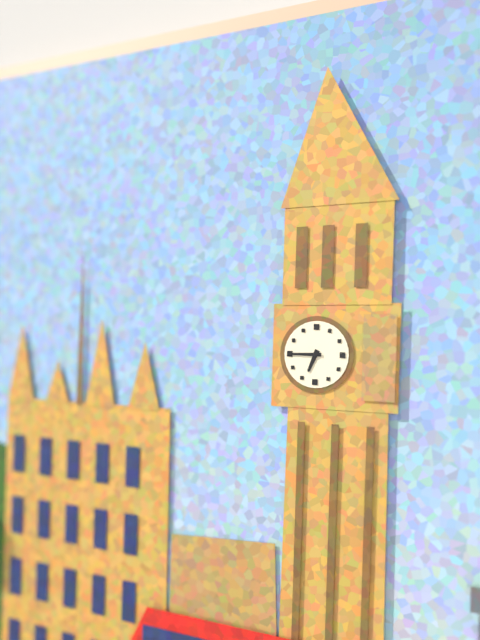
6:45
